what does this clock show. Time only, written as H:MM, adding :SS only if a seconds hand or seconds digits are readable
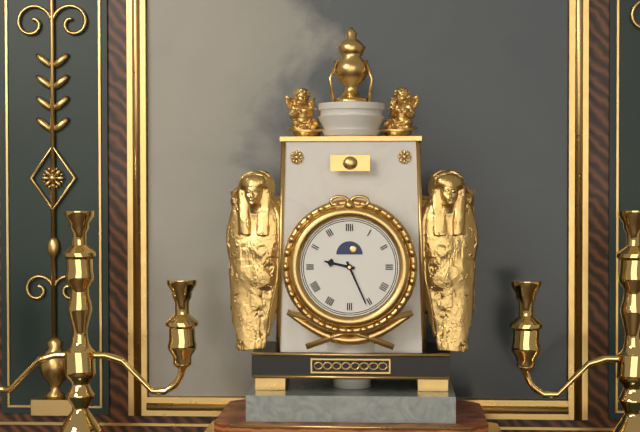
9:26
